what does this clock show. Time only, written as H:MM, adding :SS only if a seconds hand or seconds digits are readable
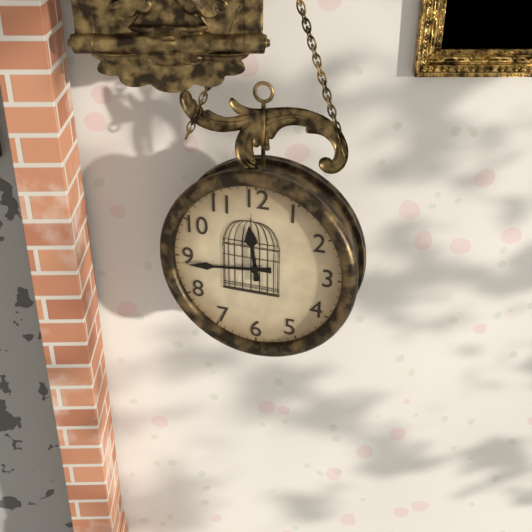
11:44
